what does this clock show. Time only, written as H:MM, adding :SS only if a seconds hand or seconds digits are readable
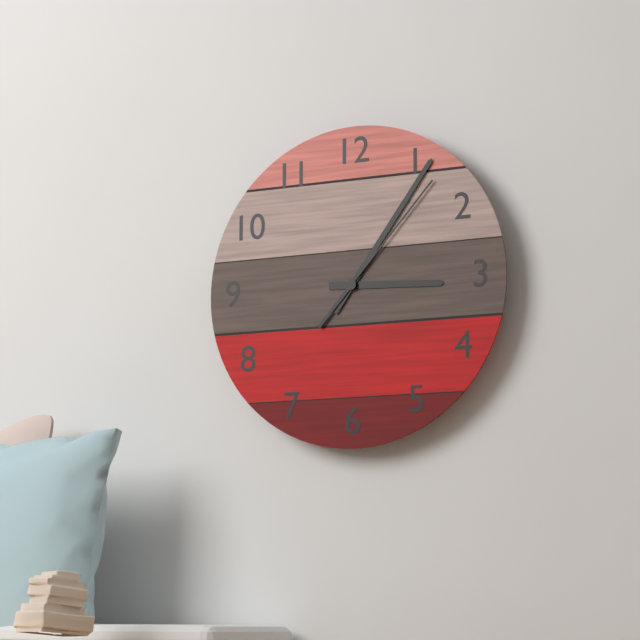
3:06:07
